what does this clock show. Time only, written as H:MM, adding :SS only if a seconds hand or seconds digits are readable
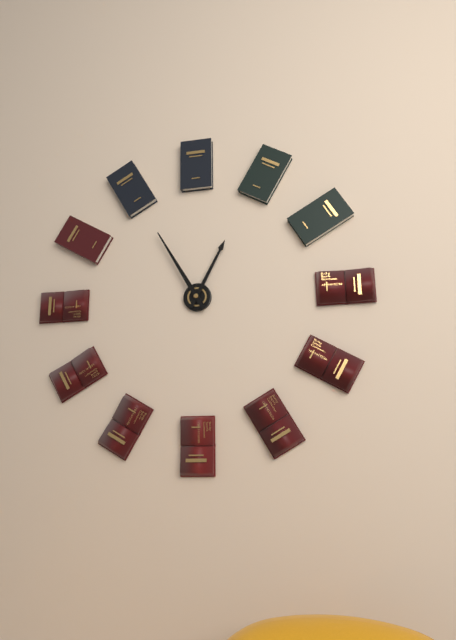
12:55
